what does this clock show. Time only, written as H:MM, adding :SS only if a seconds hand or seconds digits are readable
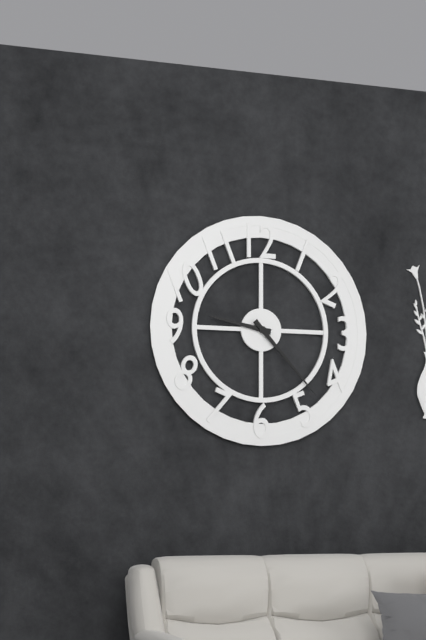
9:23
